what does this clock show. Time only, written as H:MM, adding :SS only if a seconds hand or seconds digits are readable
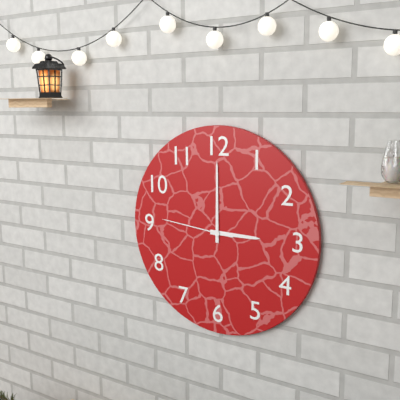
3:00:46
